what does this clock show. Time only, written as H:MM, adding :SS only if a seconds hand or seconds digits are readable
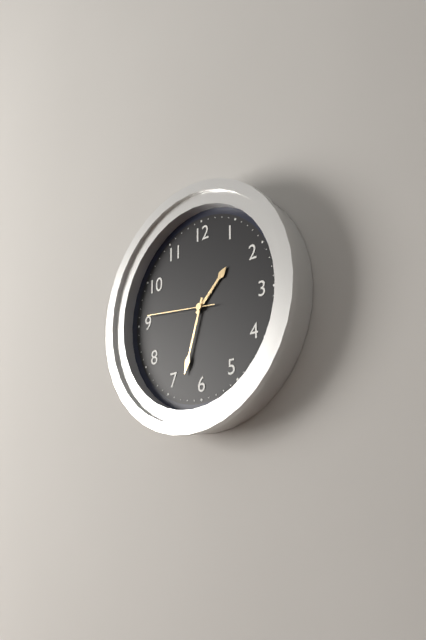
1:33:46
